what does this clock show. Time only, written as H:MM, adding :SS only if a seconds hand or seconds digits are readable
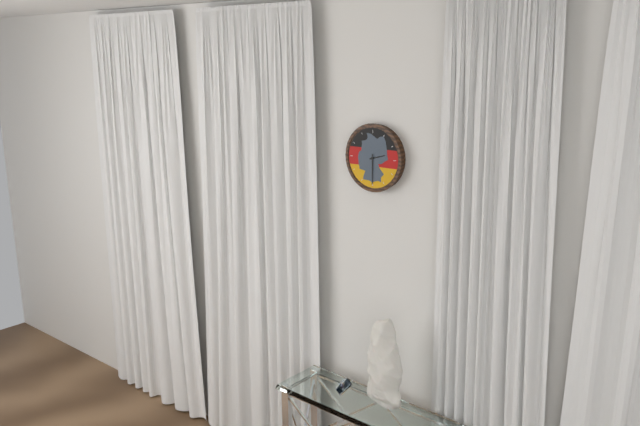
2:30
